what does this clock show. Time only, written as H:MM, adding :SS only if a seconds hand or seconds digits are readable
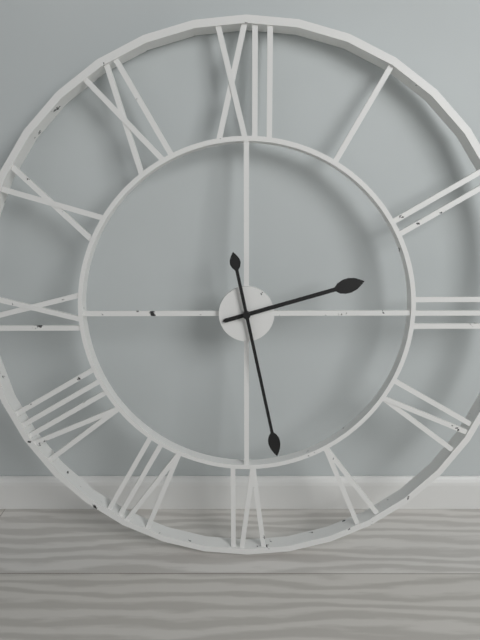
2:28
